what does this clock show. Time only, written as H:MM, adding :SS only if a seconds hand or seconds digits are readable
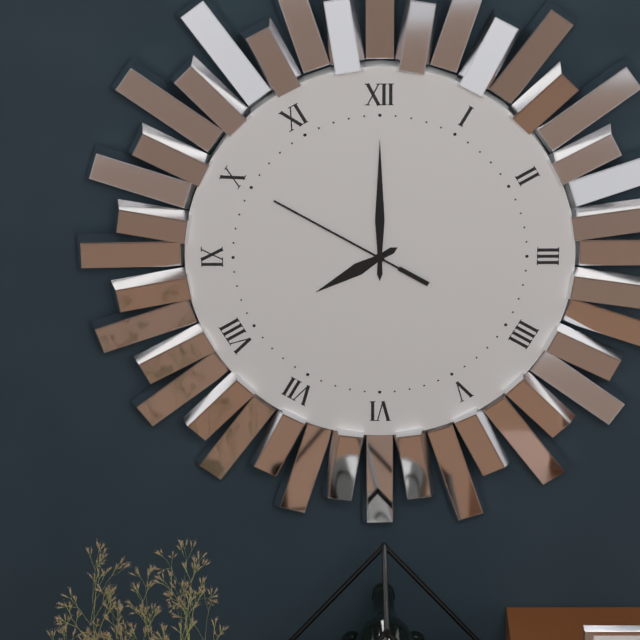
8:00:50
